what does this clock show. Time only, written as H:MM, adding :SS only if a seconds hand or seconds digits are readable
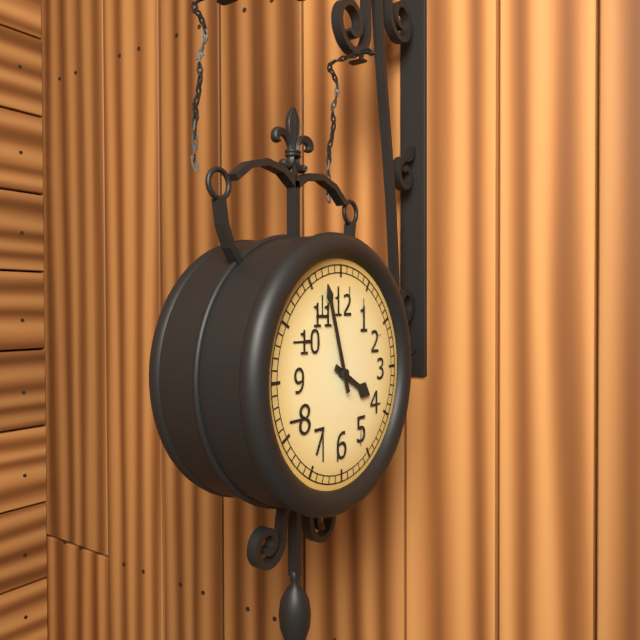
3:57
